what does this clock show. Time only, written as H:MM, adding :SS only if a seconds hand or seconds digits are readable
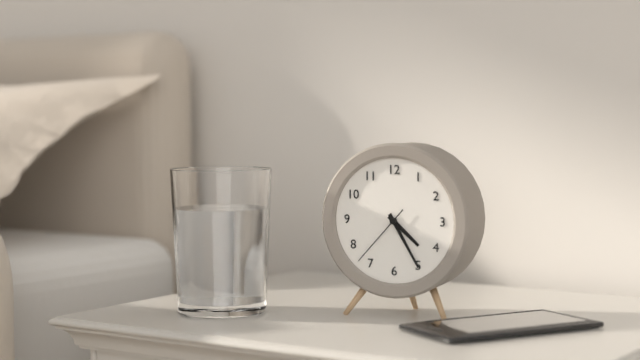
4:25:37
